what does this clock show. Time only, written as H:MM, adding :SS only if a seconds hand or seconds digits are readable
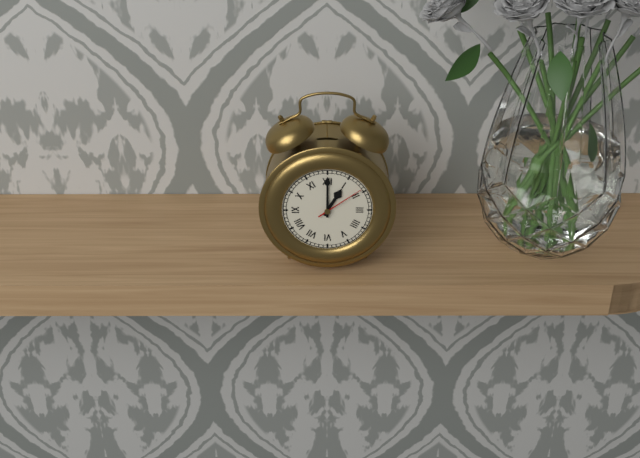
1:00:09
